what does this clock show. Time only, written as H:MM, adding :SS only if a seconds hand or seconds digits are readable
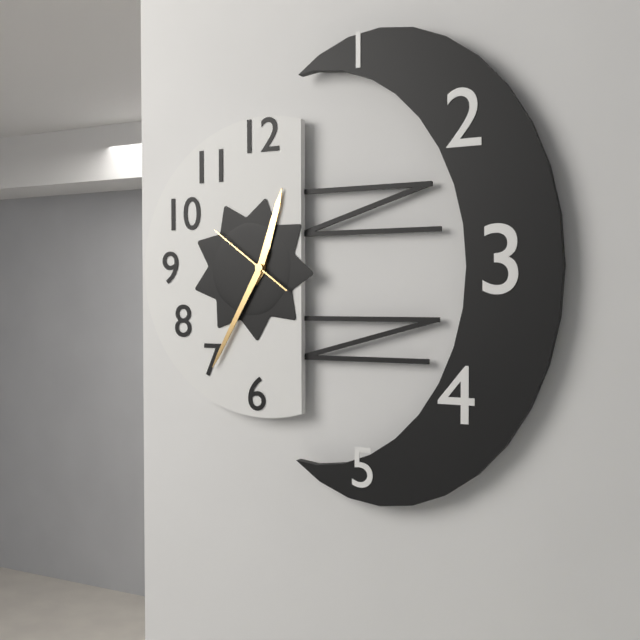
12:35:51
